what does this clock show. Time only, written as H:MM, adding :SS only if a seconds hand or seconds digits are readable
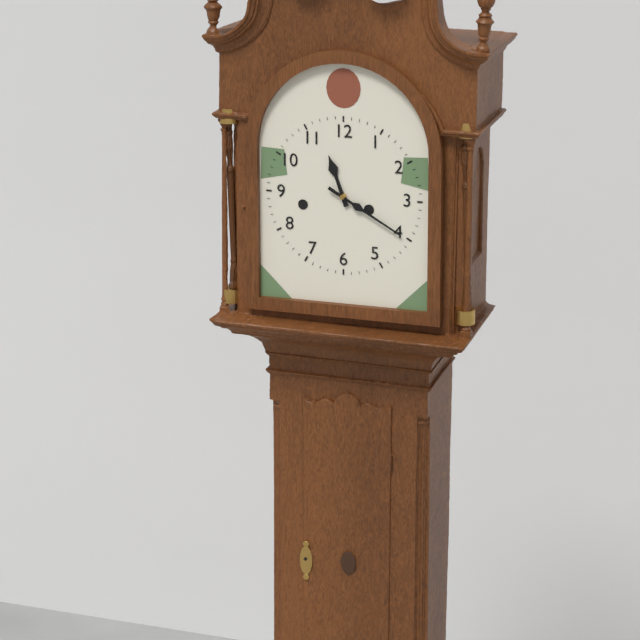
11:20
